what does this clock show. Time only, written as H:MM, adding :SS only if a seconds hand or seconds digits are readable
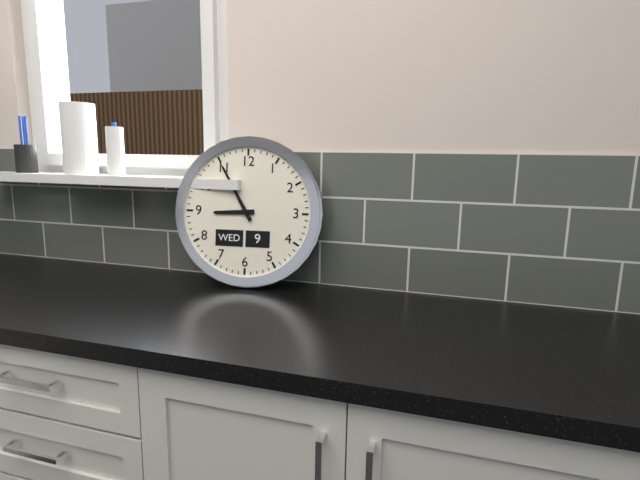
8:55
